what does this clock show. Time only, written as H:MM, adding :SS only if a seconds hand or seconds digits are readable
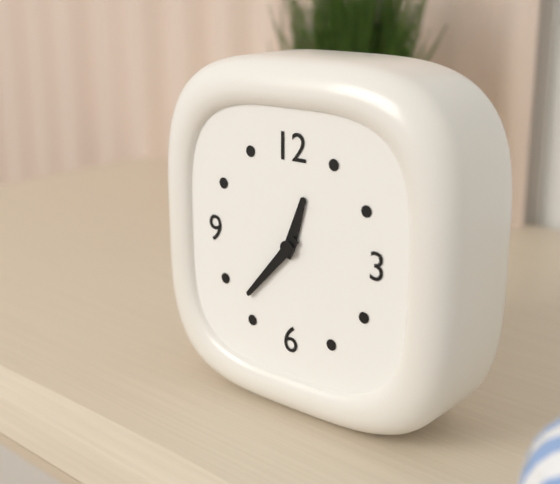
12:37
